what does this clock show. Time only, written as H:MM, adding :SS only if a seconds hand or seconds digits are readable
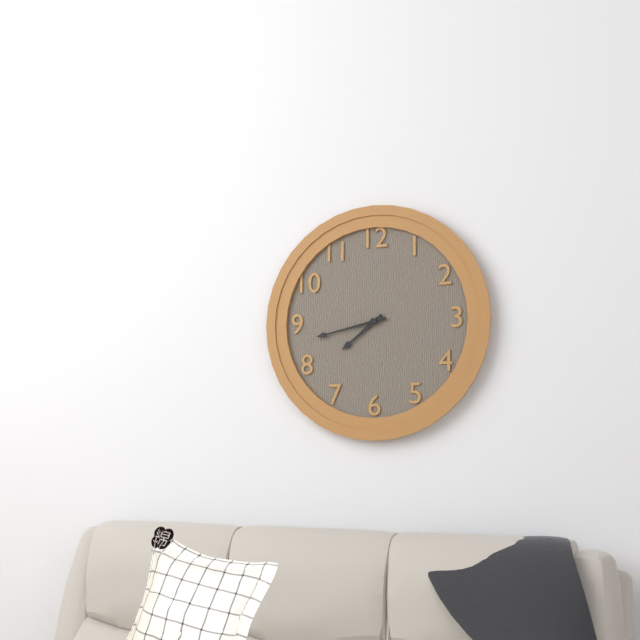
7:43
